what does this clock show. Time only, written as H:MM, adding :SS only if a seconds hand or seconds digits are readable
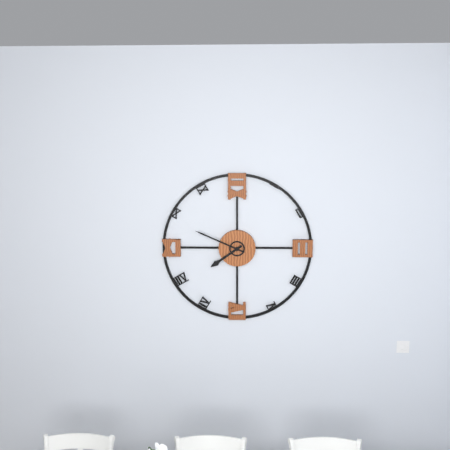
7:49
